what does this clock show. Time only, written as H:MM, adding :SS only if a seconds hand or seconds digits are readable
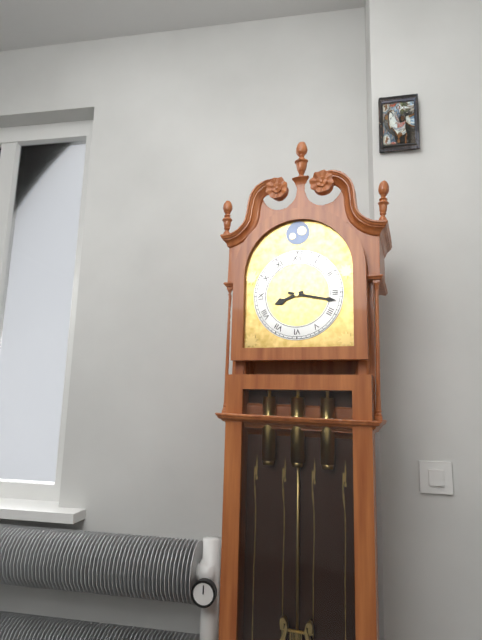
8:17
